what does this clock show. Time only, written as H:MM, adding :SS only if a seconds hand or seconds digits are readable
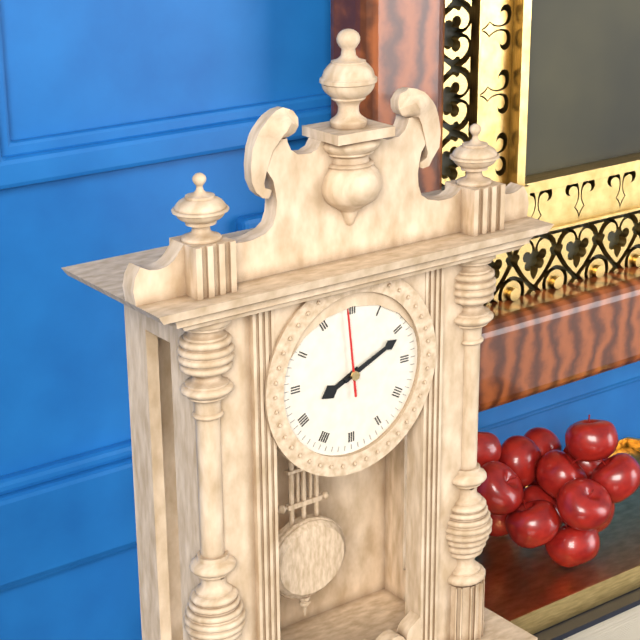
8:11:59
